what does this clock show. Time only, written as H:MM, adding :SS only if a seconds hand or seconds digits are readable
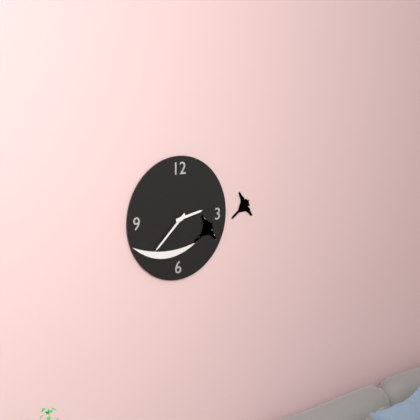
2:38
